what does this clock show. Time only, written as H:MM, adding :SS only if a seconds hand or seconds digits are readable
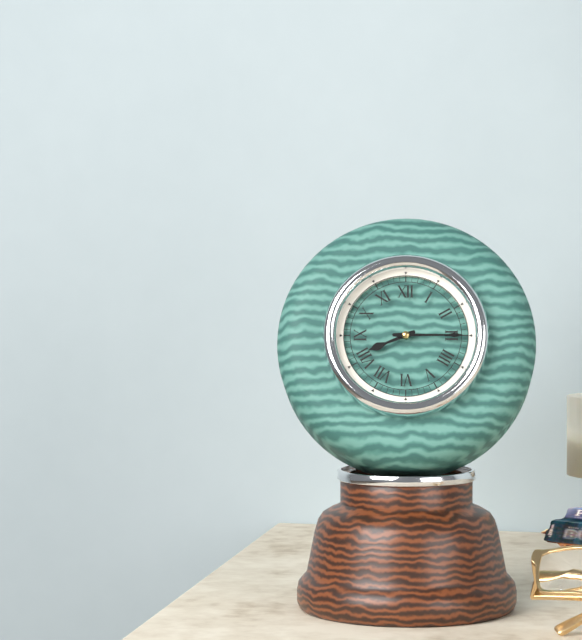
8:15
